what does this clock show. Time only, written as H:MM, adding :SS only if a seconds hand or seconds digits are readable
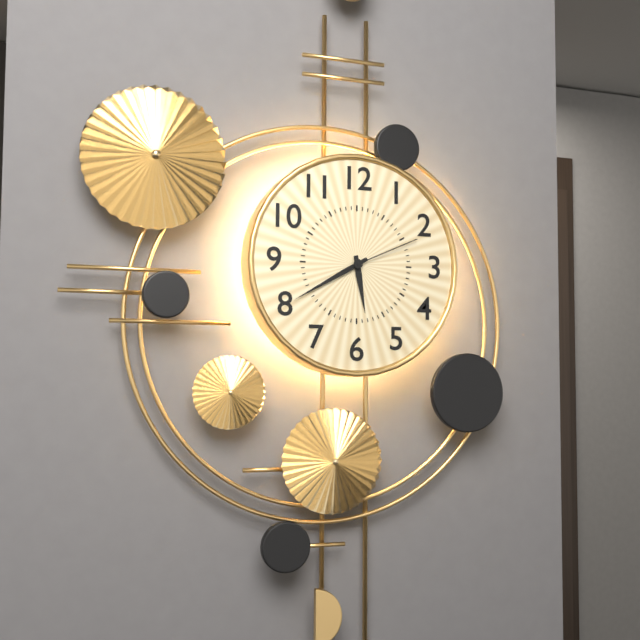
5:40:11
